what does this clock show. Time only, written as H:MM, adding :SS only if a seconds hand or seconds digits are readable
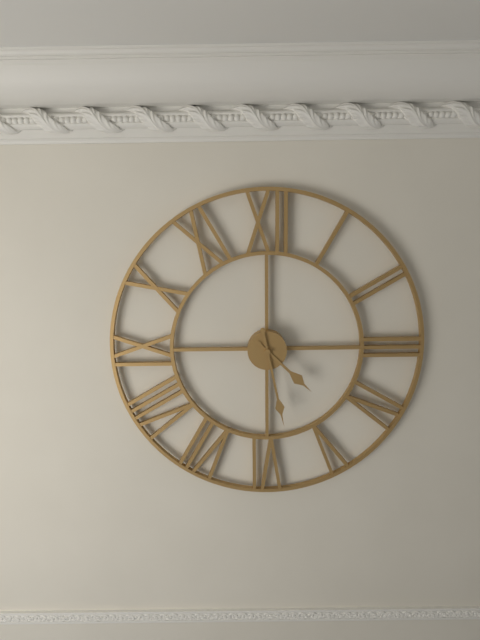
4:28
